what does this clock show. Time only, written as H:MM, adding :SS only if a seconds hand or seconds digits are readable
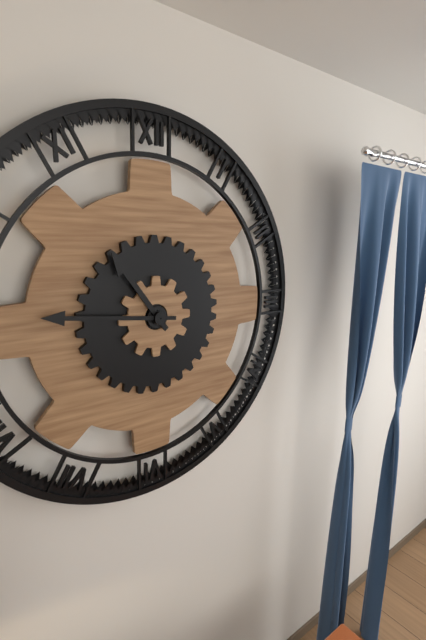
10:46
